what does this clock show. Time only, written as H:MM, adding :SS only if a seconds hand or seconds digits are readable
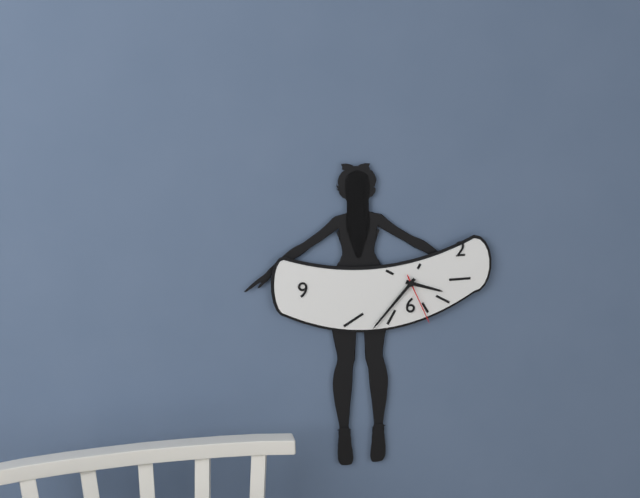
3:37:26
